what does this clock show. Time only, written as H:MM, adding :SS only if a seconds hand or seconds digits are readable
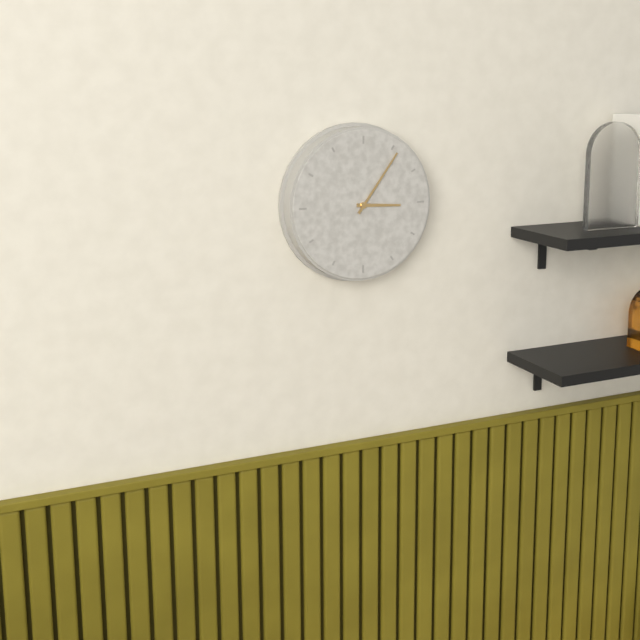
3:06
